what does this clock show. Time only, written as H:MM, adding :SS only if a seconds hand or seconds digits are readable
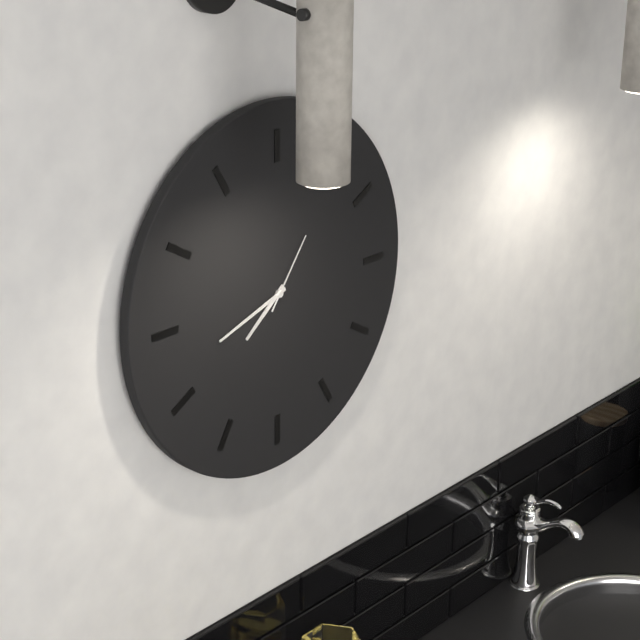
7:42:06
